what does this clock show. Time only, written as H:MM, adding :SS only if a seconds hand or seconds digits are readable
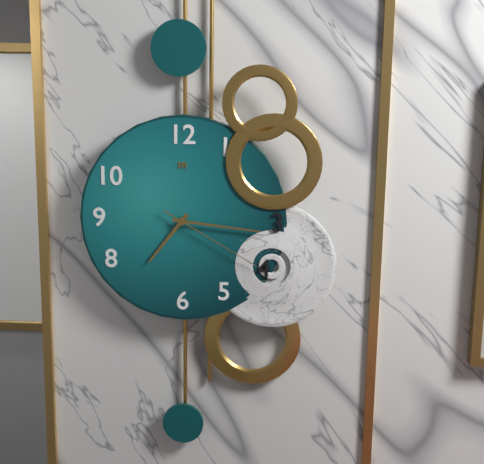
7:16:20
